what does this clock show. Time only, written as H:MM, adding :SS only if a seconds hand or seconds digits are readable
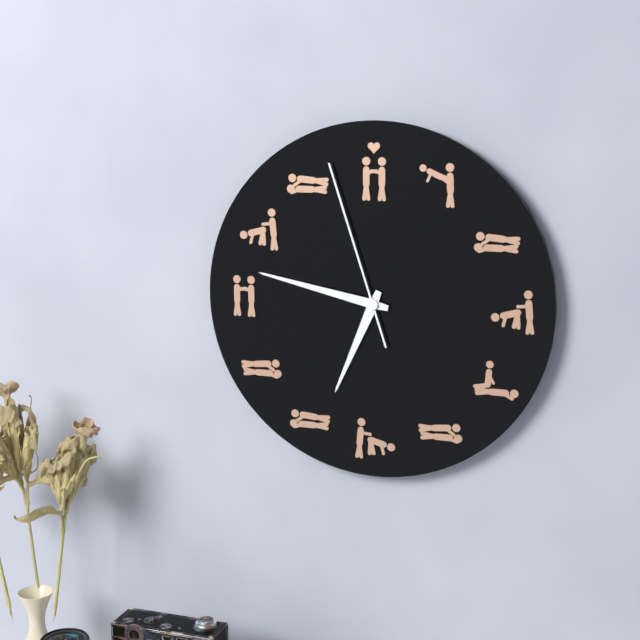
6:47:57
